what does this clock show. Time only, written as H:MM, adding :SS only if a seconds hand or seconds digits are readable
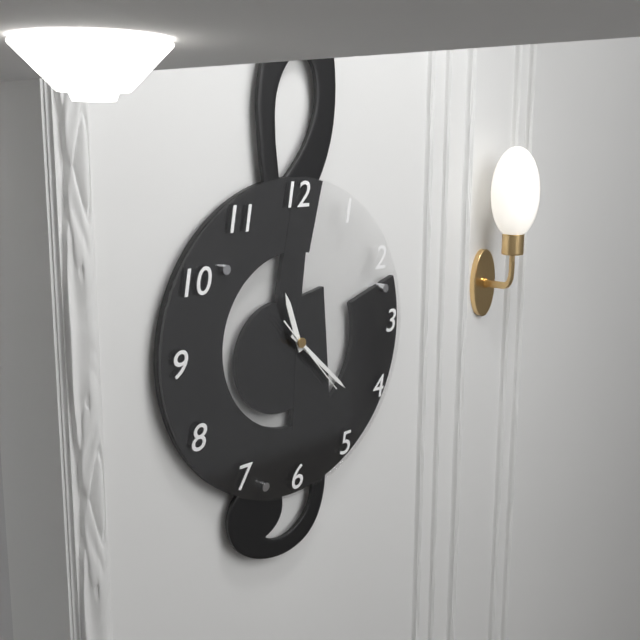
11:22:23
